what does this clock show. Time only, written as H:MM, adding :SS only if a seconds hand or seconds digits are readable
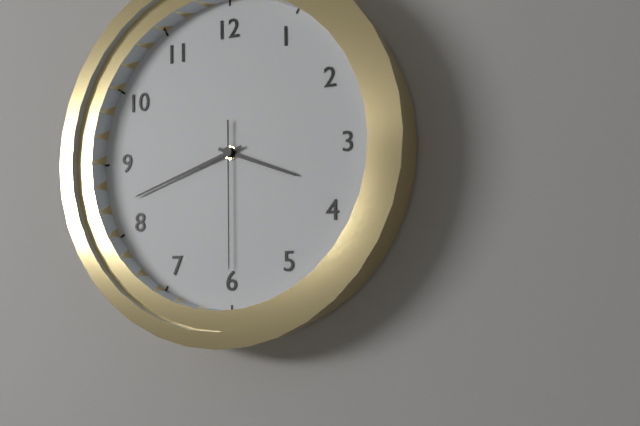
3:42:30
